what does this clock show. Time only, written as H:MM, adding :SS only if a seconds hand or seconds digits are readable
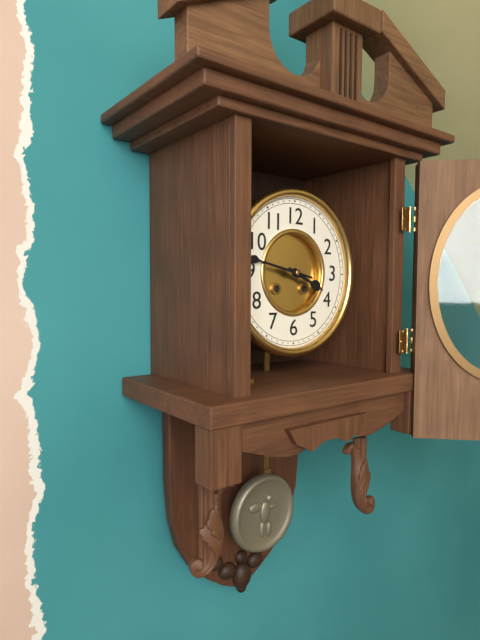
3:47
